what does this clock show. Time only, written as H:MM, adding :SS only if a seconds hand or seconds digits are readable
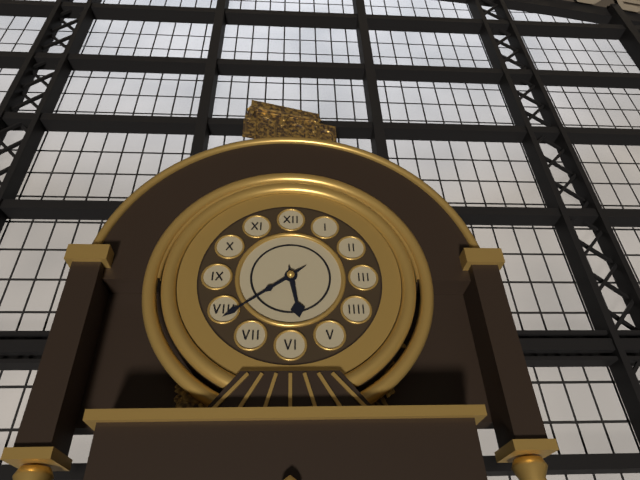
5:39
